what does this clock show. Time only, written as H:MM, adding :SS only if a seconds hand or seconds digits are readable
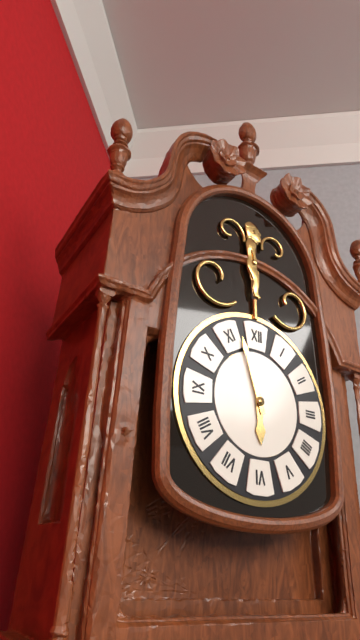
5:57
